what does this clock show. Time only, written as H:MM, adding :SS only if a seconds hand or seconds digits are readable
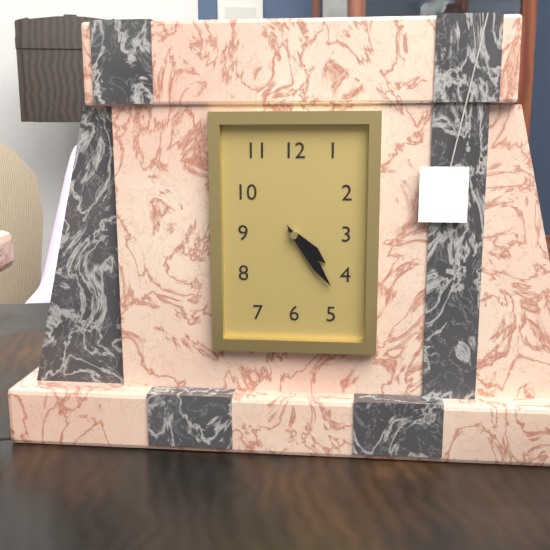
4:24
